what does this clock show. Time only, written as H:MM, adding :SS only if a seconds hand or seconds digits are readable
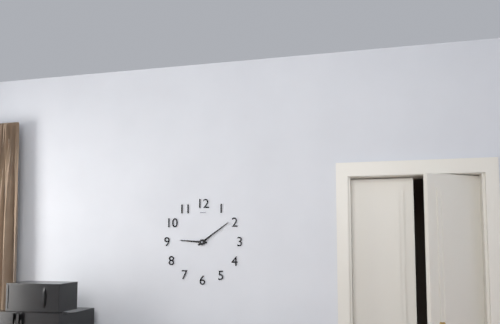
9:09
